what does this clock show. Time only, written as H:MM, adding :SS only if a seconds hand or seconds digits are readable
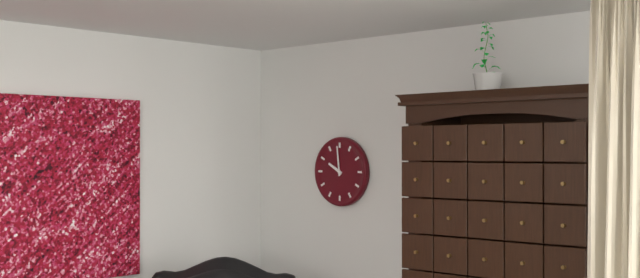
9:59
